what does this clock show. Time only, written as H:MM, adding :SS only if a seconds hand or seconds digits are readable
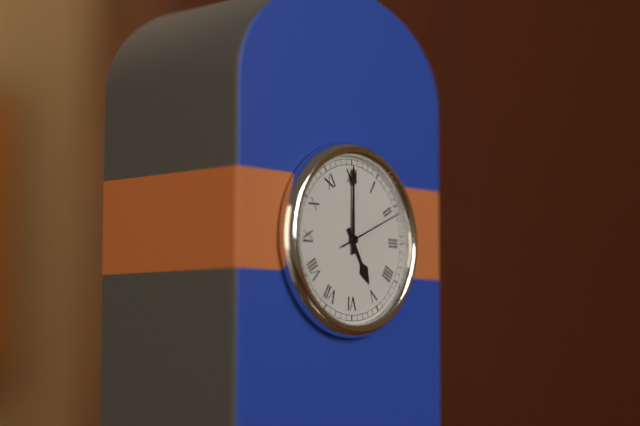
5:00:11
